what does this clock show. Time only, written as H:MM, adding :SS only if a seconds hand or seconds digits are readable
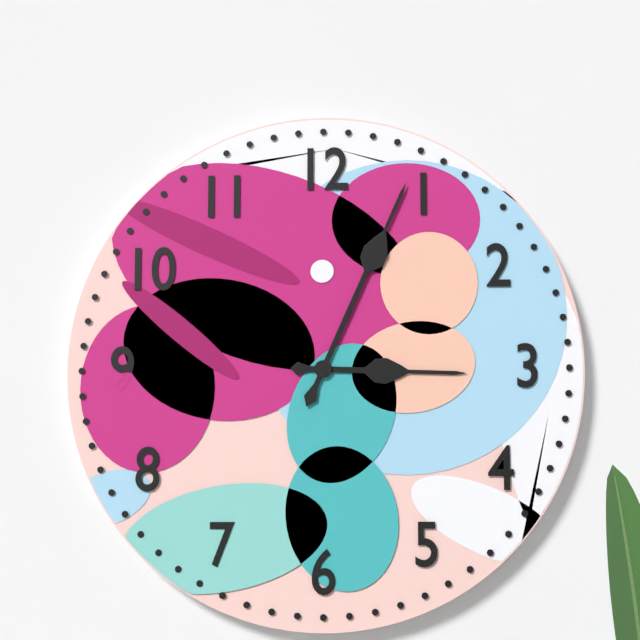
3:04
